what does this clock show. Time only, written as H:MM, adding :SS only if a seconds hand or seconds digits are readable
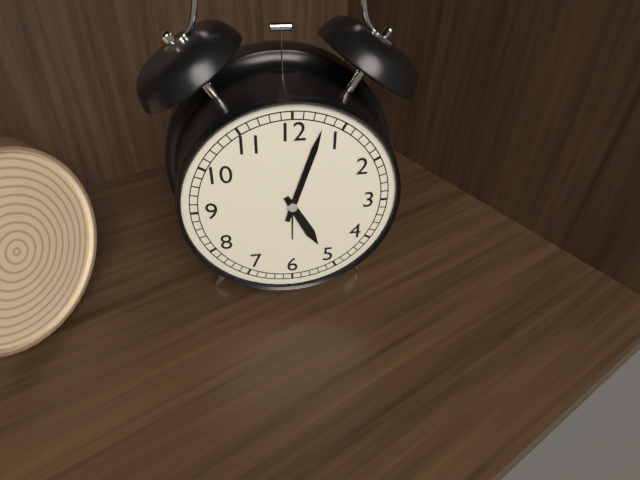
5:03
